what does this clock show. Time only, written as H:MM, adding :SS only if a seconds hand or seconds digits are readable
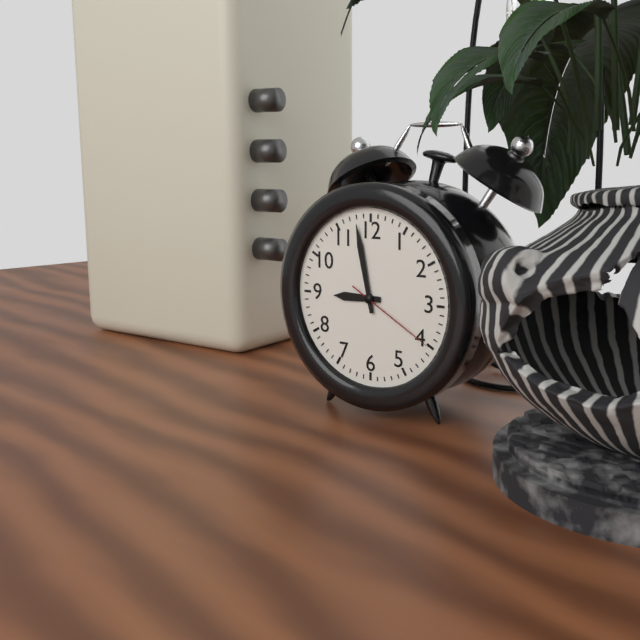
8:58:20
